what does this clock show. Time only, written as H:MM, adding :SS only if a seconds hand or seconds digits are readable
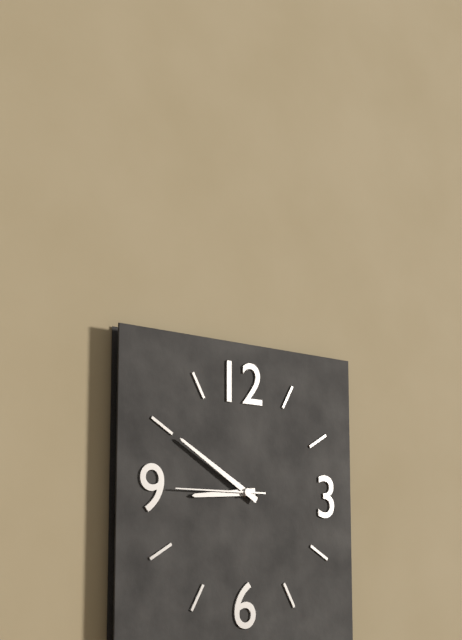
8:50:45
